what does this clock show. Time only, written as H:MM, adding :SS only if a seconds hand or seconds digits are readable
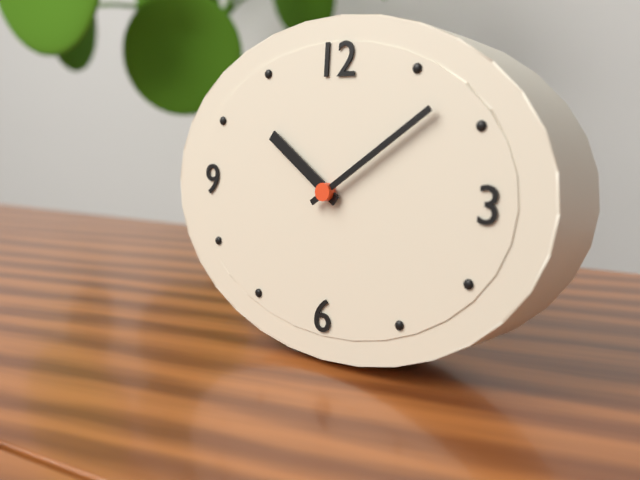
10:09
